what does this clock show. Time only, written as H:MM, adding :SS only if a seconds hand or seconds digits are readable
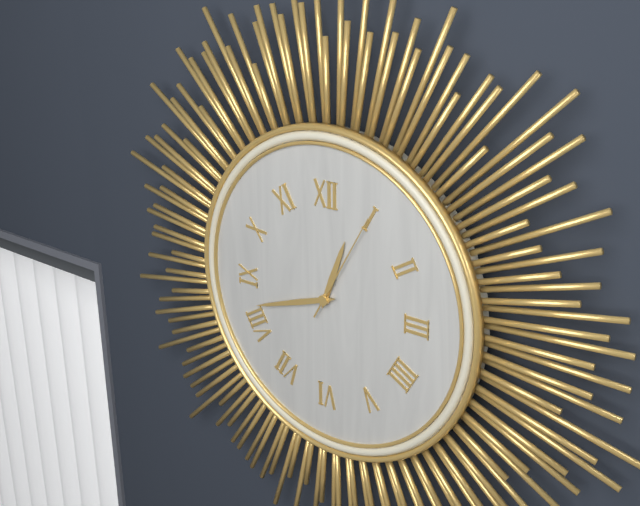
12:42:05
